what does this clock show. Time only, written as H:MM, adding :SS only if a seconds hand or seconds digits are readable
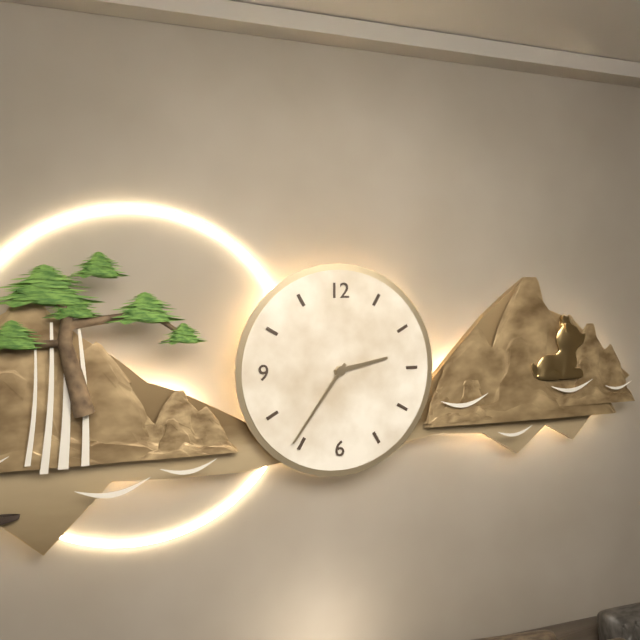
2:36
